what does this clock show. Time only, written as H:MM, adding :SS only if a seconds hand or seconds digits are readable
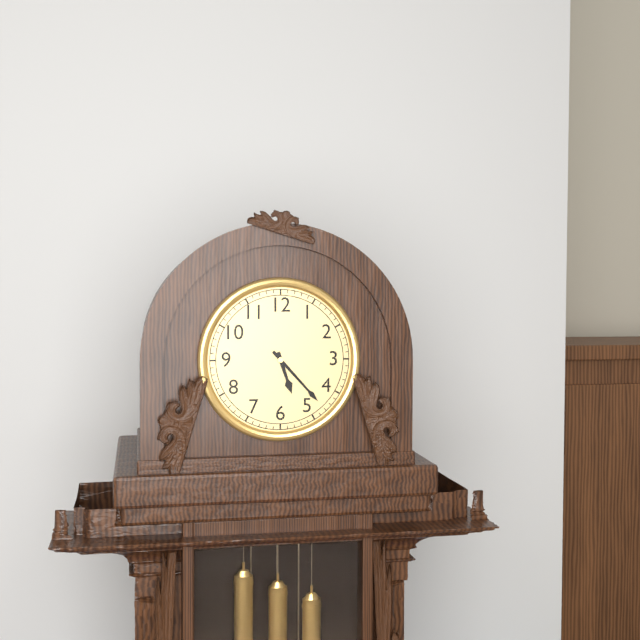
5:23
